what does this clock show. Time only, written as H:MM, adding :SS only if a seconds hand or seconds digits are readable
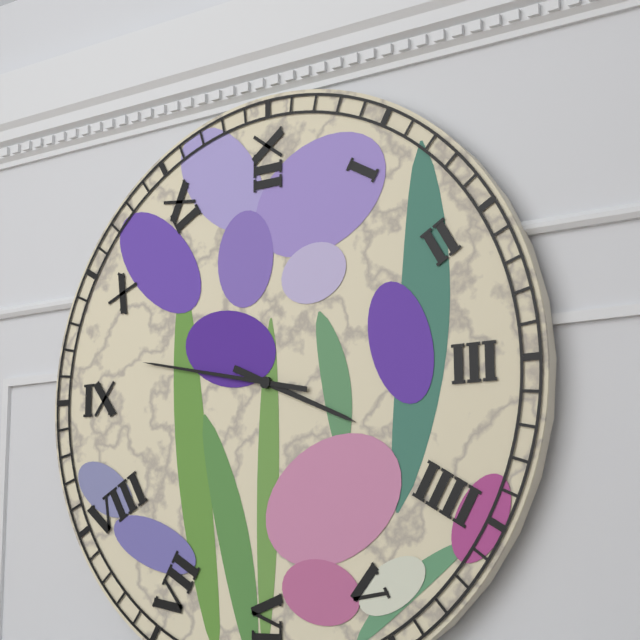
3:47
